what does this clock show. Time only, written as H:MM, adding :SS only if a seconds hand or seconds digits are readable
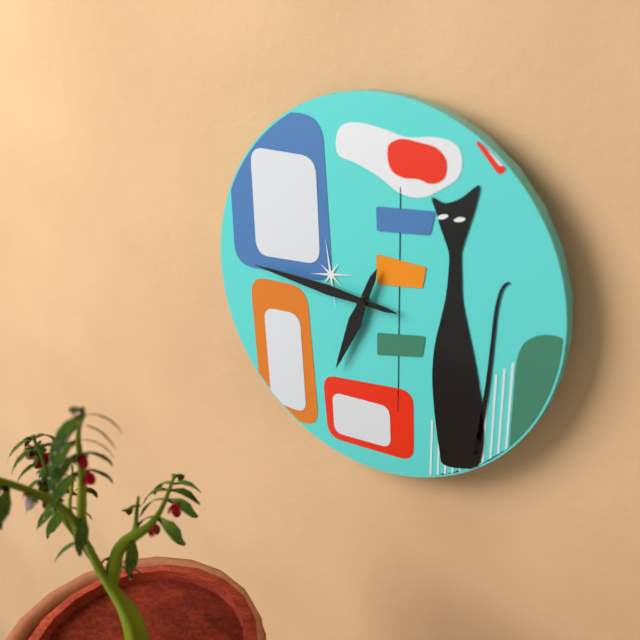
6:46
